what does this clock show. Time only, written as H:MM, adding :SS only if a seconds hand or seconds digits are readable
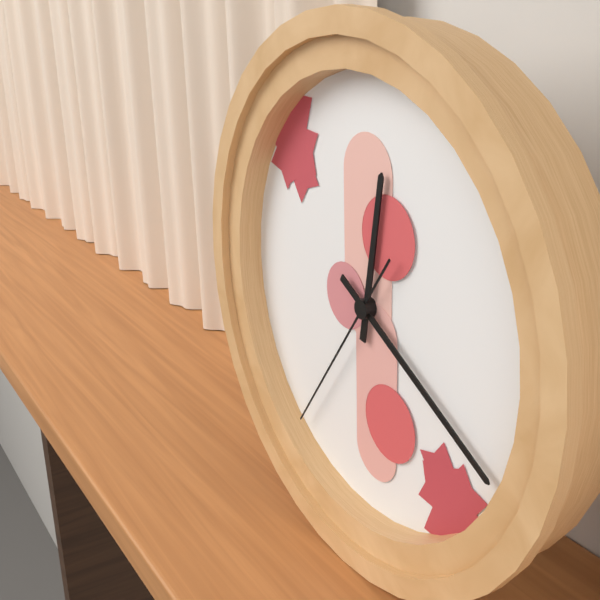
12:20:36
